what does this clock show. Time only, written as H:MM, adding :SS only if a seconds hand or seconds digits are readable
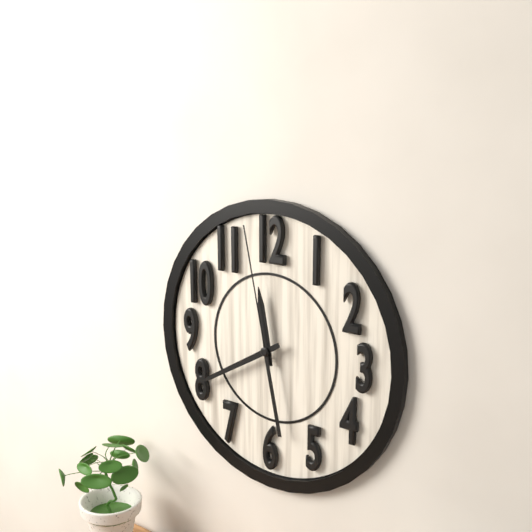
11:40:58
